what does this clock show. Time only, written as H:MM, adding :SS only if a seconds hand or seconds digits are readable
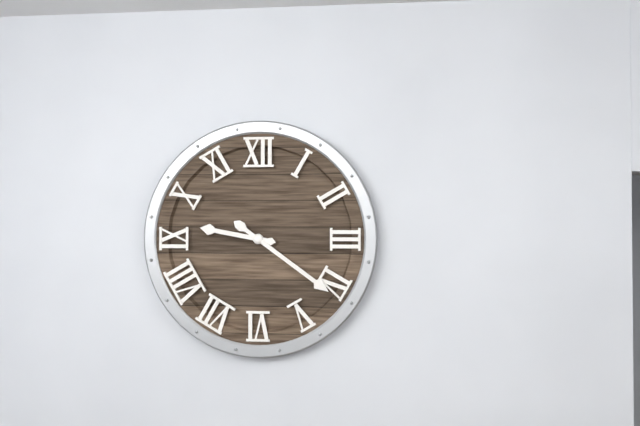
9:21
